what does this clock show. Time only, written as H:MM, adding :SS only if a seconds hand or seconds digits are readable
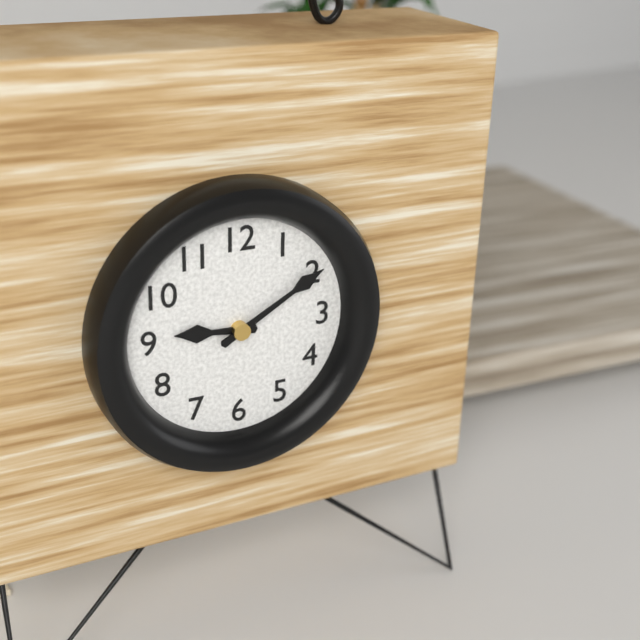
9:10
